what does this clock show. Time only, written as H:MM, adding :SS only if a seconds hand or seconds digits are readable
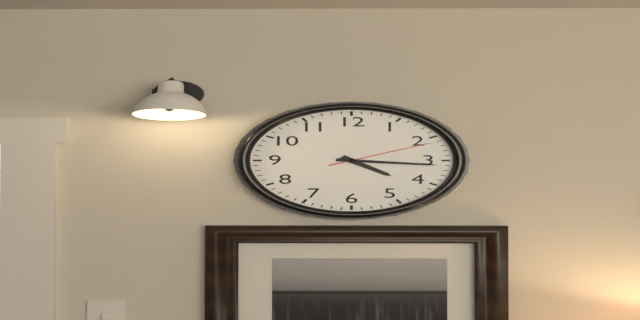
4:16:11
